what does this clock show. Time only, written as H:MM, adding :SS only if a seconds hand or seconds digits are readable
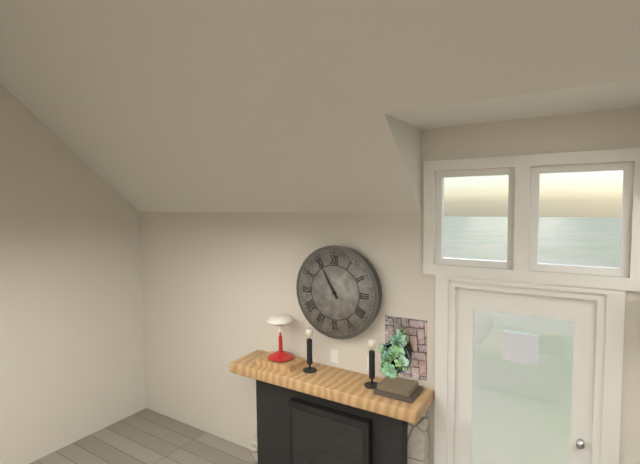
10:55
